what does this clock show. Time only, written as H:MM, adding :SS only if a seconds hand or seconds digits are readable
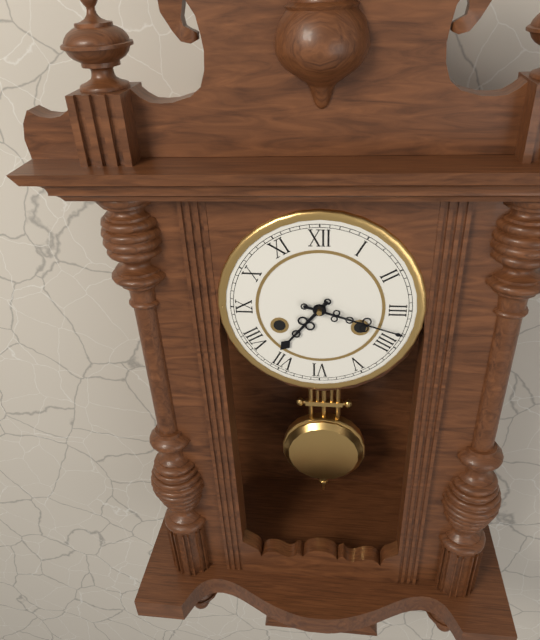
7:18
